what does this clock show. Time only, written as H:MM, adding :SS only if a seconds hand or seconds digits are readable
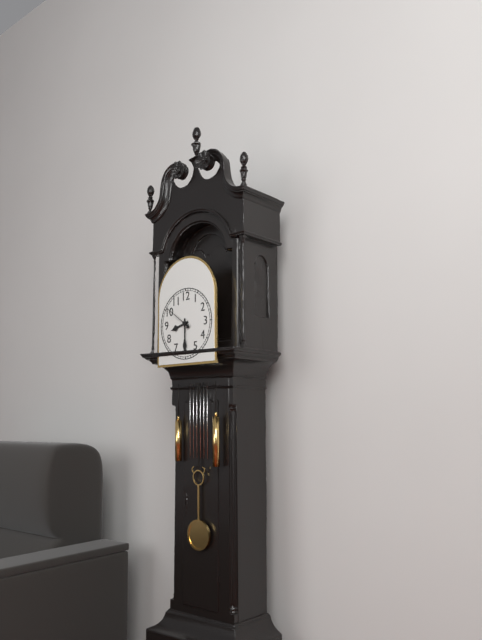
8:30
